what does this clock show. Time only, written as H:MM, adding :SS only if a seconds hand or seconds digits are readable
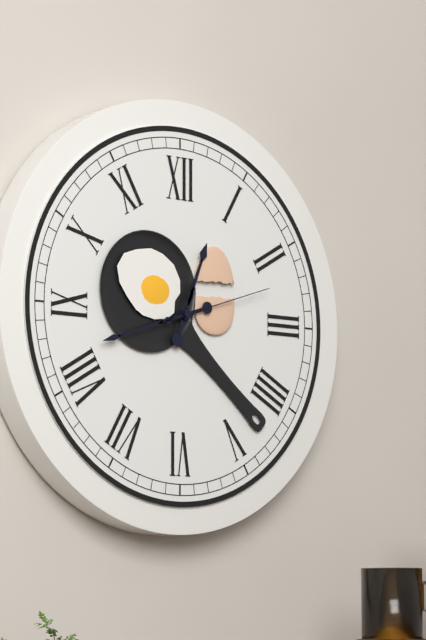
12:42:12
